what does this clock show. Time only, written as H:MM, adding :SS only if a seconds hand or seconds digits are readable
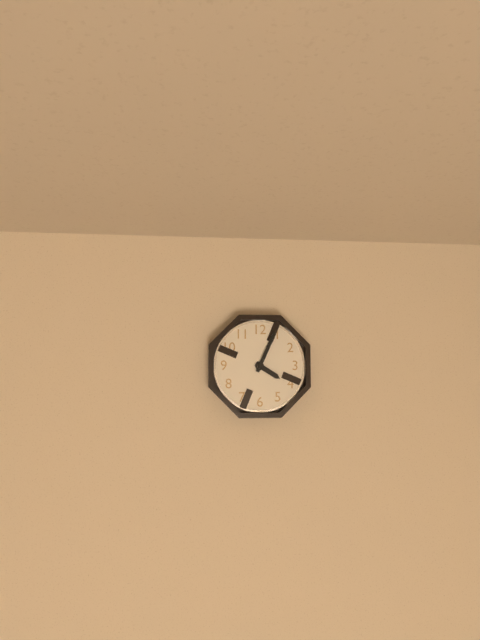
4:04
